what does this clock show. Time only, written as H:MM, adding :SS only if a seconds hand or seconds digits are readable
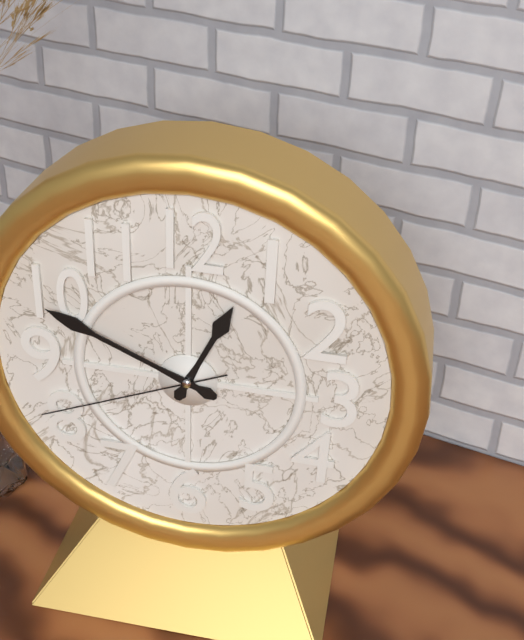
12:49:41
